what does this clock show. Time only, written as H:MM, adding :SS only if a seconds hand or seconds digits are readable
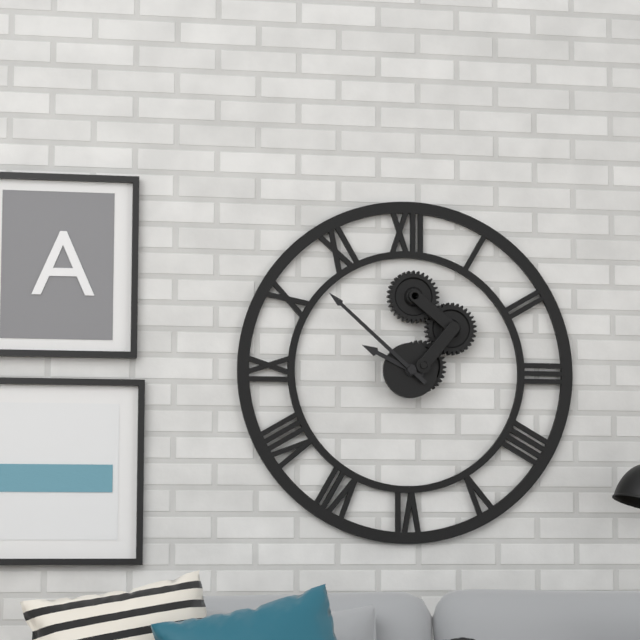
9:52
